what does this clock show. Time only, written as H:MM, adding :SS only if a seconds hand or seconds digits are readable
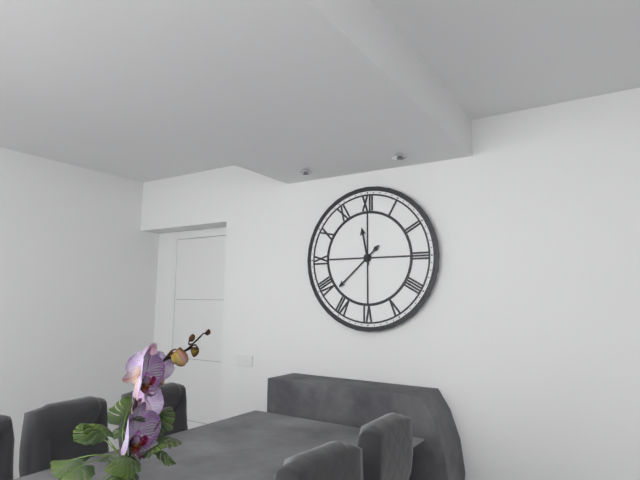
11:38
